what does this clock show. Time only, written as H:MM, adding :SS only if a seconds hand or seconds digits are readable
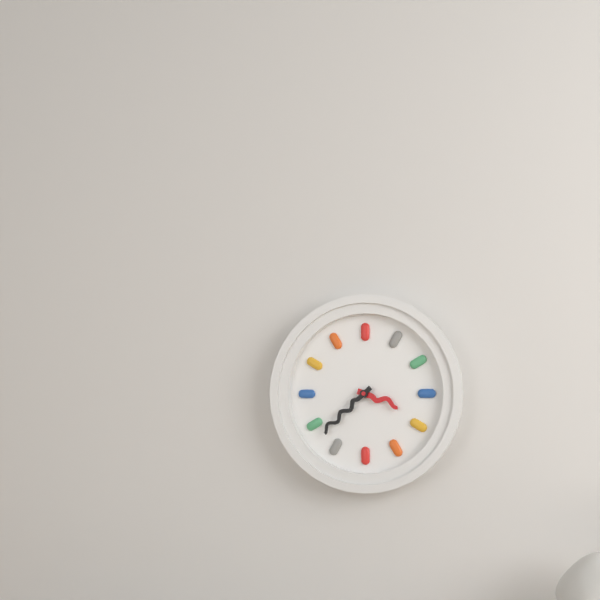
3:38
